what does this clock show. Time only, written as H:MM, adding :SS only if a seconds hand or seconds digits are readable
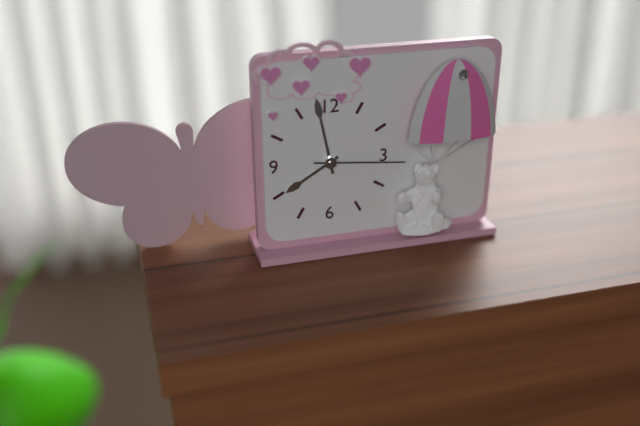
7:58:16
